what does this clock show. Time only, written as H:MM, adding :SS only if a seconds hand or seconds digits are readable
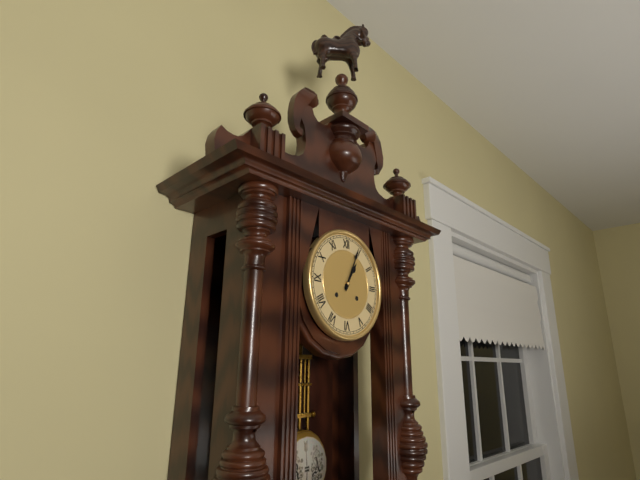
1:04
